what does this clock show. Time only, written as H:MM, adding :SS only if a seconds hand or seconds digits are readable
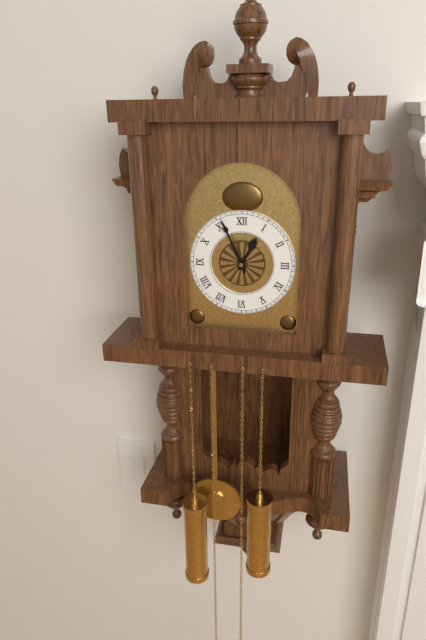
12:56
